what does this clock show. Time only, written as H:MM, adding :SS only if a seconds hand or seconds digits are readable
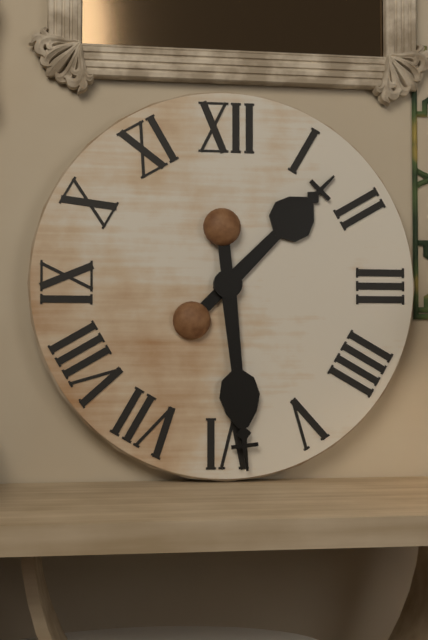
1:29
